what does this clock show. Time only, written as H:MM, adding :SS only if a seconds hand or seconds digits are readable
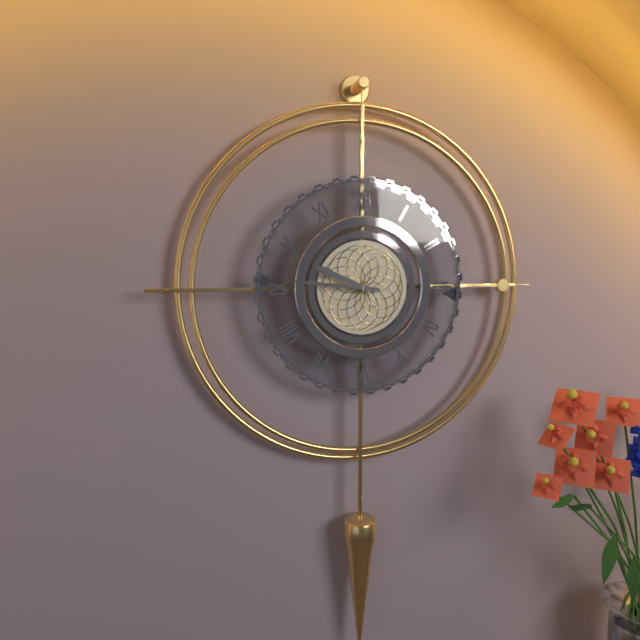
9:46
